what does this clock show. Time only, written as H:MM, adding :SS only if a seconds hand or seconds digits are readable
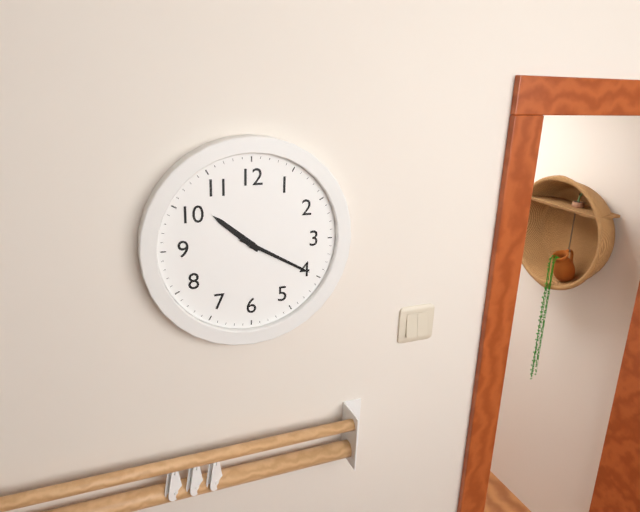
10:20
